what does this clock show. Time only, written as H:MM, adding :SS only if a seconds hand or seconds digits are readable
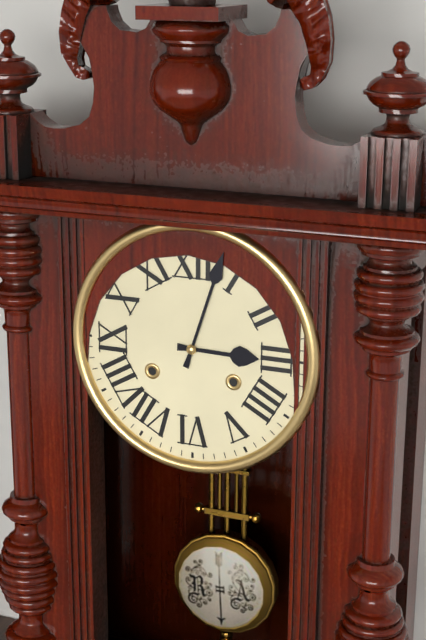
3:03
